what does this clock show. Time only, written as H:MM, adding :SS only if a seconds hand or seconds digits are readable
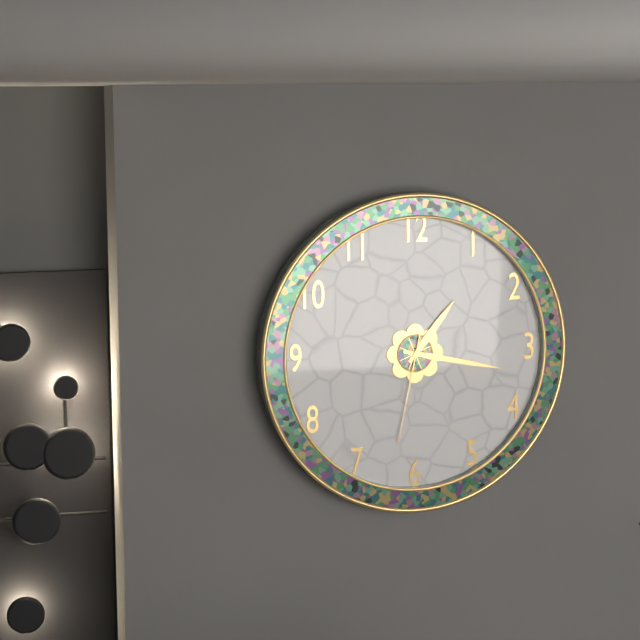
1:17:32
